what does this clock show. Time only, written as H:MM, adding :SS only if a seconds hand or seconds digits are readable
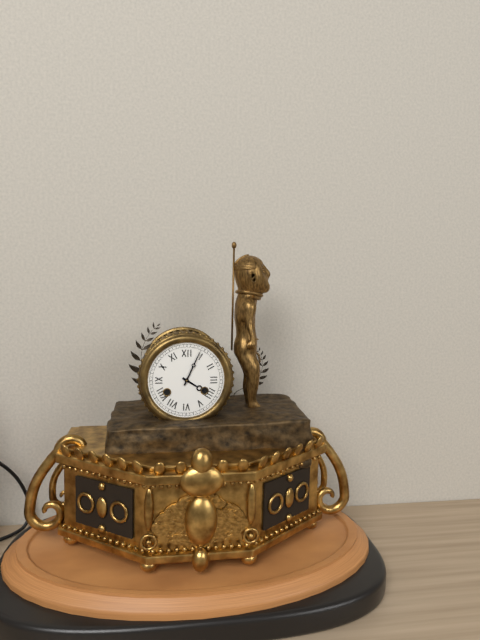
4:04
